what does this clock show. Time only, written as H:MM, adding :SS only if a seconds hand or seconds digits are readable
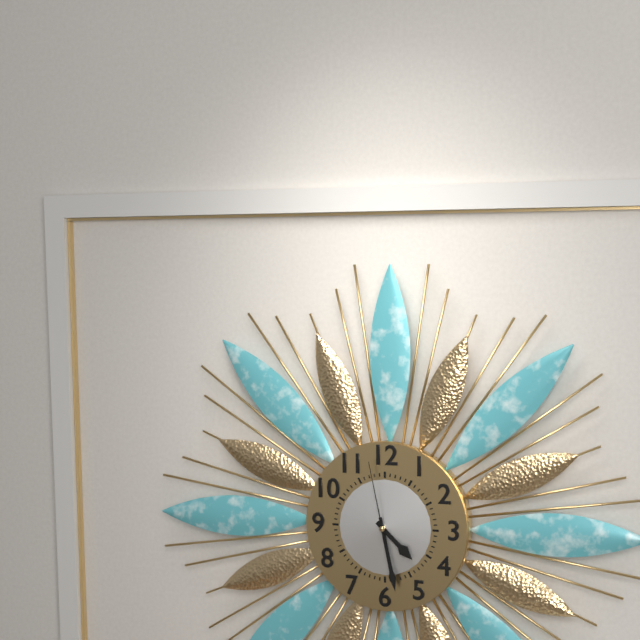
4:28:58
